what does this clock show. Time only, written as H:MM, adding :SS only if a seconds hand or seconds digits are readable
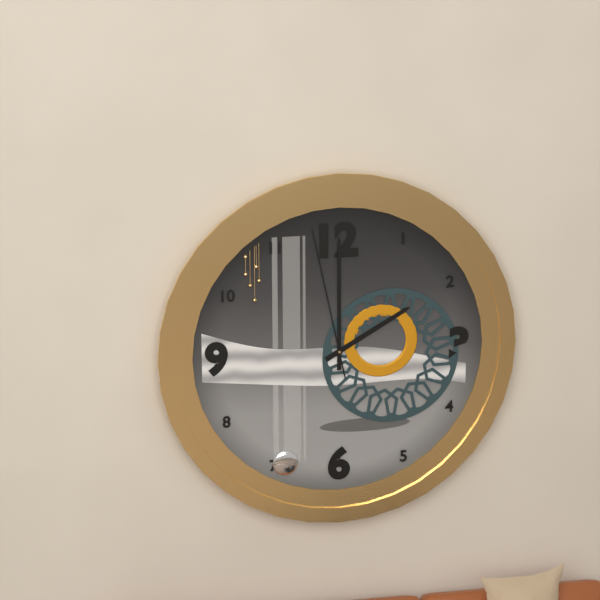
2:00:58
